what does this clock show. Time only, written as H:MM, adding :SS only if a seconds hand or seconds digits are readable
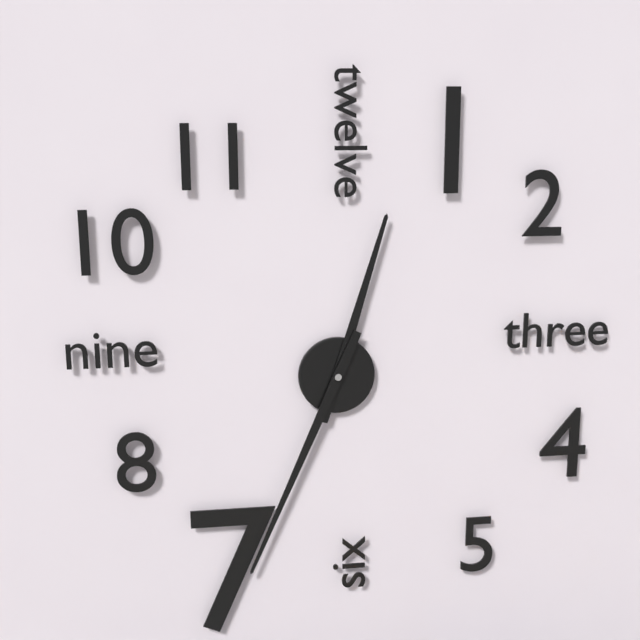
12:34
